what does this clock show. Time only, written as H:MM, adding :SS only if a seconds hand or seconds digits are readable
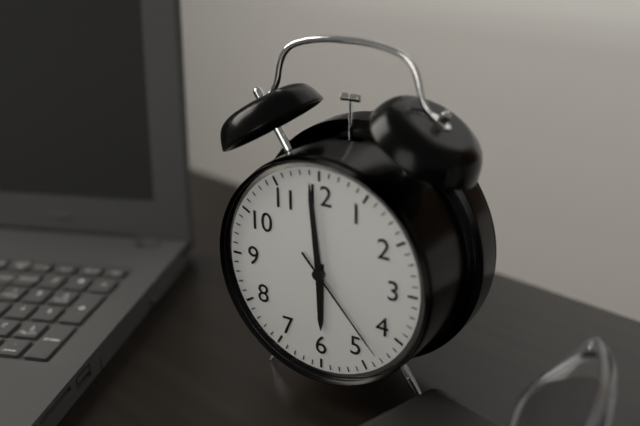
5:59:23
